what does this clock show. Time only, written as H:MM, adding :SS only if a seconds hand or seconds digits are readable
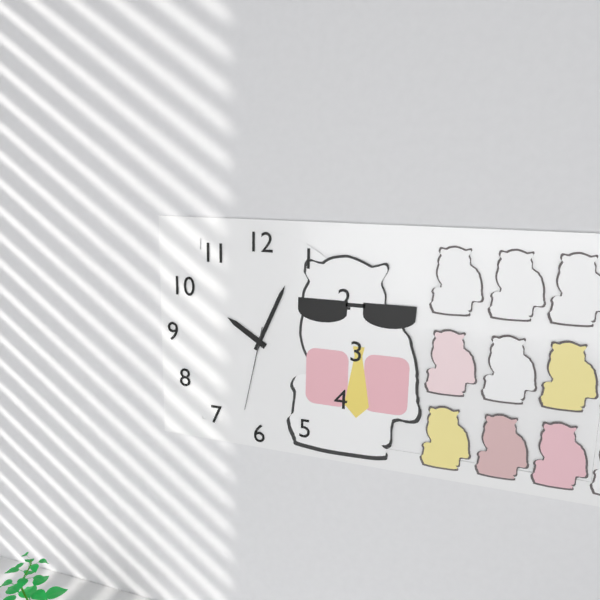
10:04:32
